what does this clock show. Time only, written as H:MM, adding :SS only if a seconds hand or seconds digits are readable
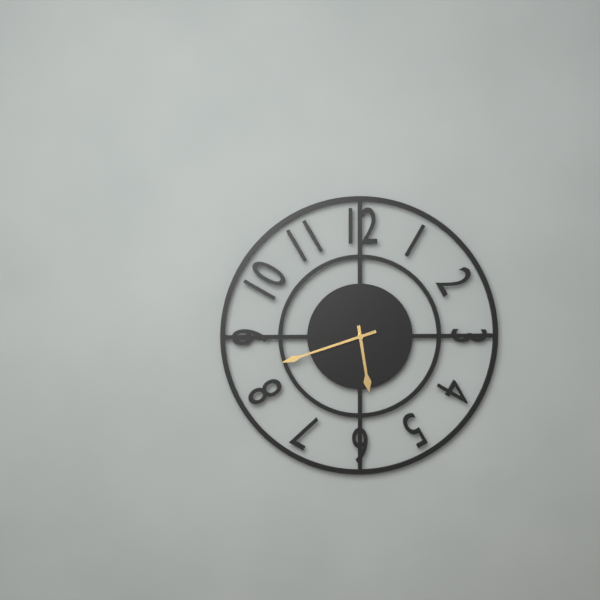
5:42
